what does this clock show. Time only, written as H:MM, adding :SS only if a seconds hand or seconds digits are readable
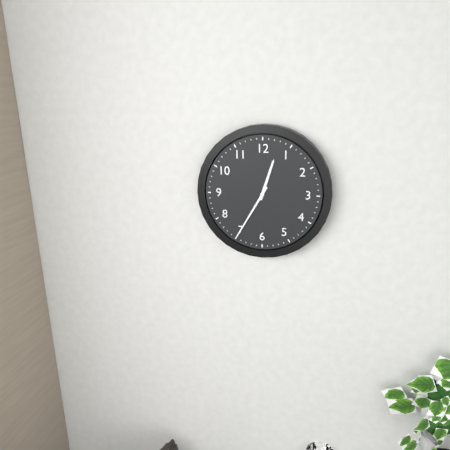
12:35
